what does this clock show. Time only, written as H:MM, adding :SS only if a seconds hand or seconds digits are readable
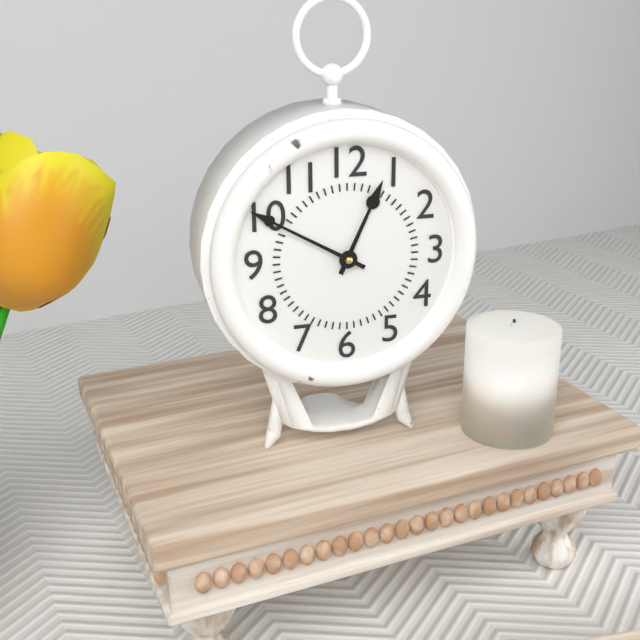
12:50
